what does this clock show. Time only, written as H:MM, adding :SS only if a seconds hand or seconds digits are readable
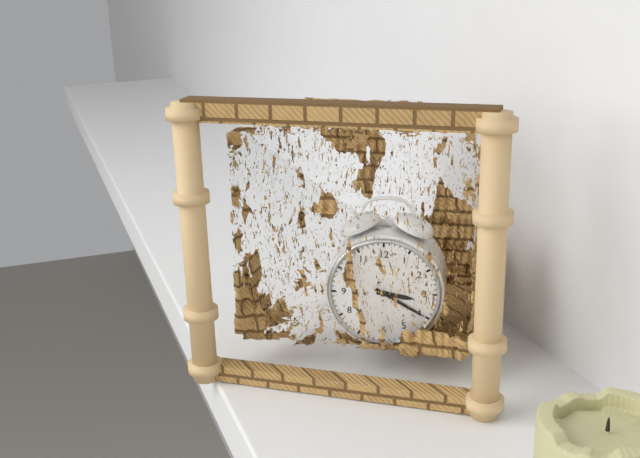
3:20
